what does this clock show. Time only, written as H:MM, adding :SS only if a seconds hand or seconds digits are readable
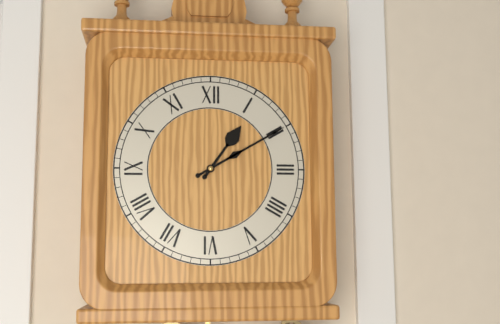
1:10
